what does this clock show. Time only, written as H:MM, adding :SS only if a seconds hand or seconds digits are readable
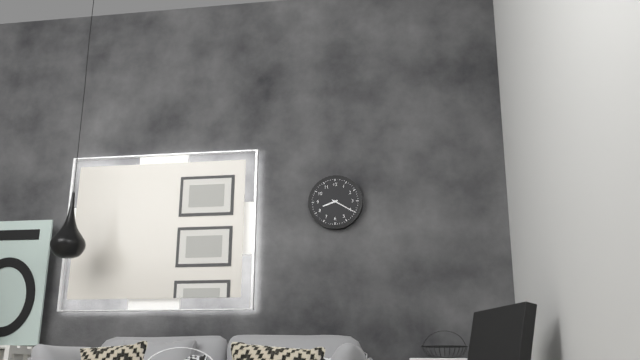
8:20
